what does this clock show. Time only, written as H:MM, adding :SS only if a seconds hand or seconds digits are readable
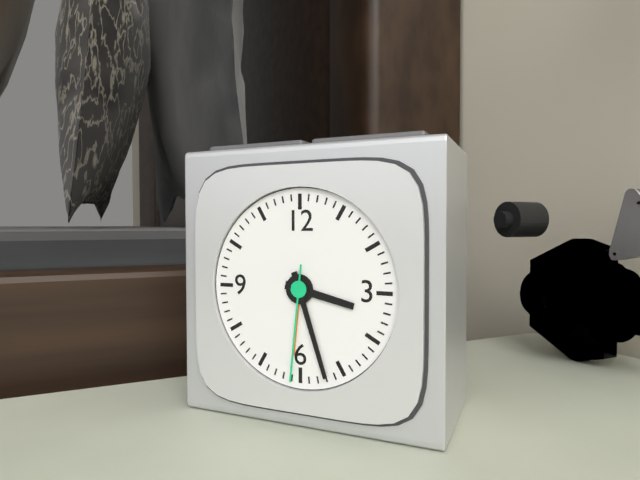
3:27:31
